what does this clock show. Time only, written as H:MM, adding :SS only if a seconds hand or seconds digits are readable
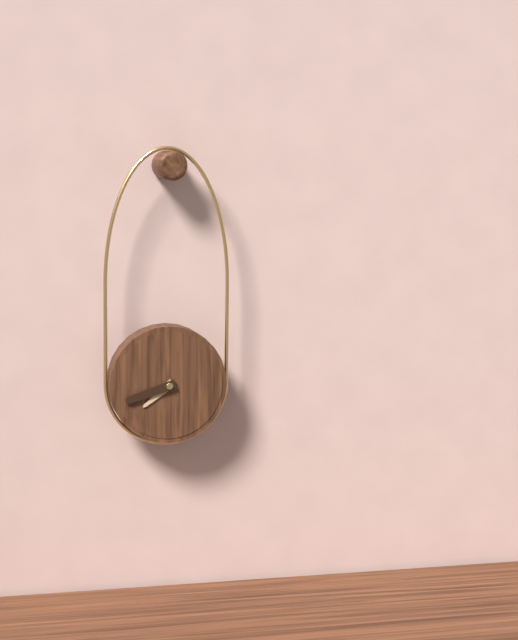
7:42
